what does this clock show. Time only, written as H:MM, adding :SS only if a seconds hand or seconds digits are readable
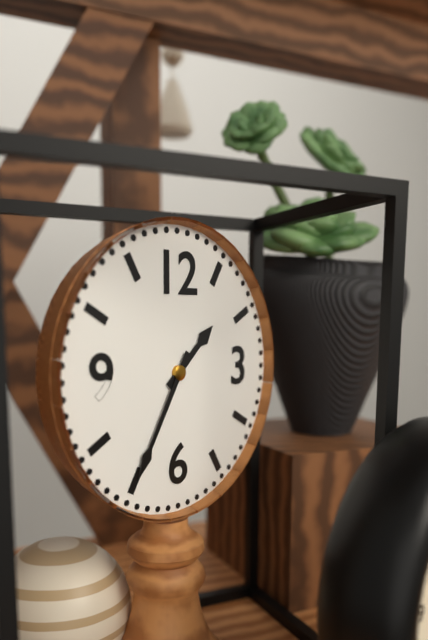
1:35
